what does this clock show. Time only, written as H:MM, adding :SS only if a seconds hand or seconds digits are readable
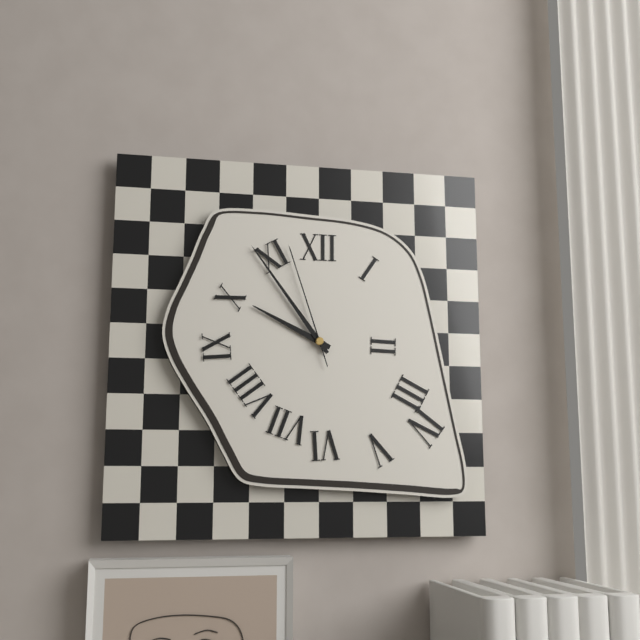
9:54:57
